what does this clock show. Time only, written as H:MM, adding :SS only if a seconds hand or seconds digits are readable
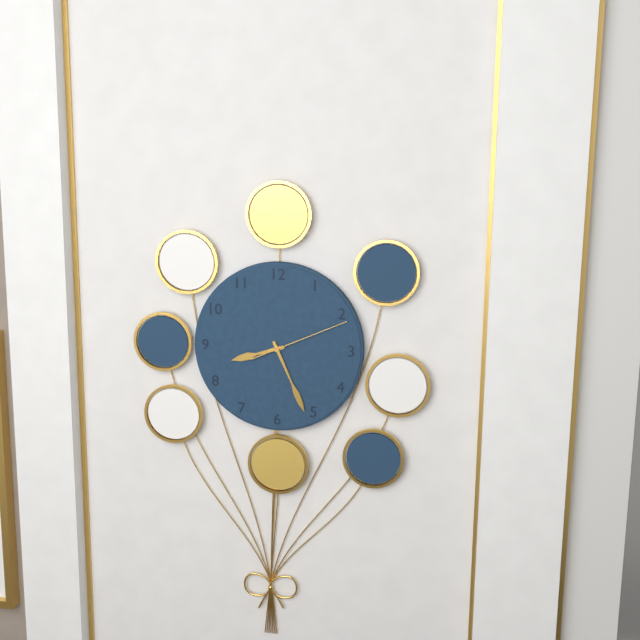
8:26:11
